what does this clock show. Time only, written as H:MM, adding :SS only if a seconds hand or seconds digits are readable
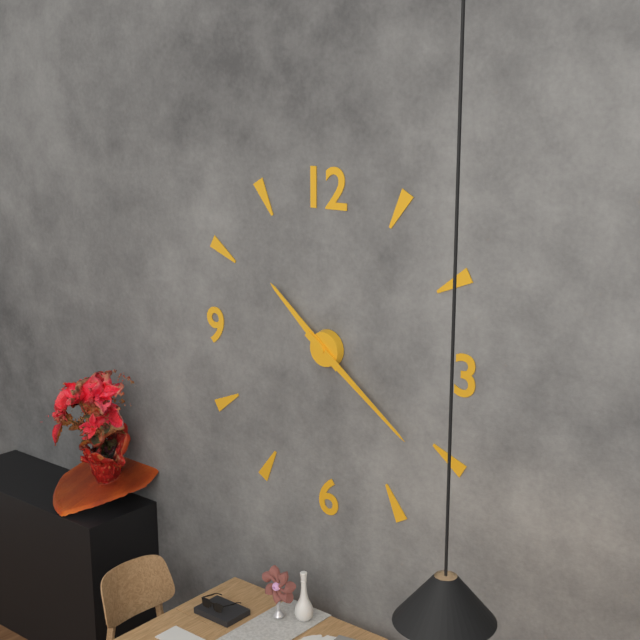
10:21
